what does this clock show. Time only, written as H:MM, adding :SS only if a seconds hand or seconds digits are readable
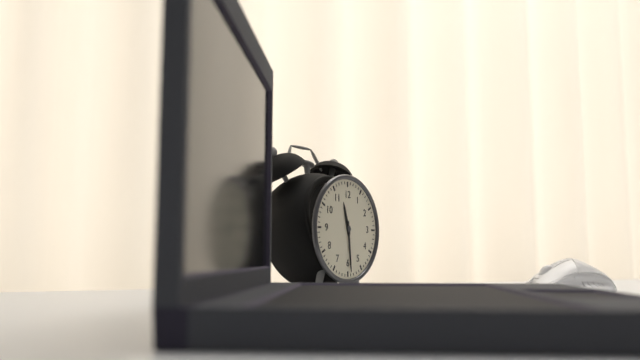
11:29
